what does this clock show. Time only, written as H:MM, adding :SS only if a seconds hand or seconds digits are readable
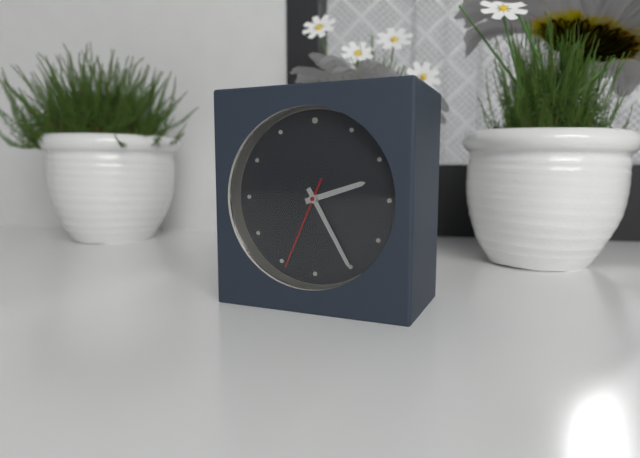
2:25:34
